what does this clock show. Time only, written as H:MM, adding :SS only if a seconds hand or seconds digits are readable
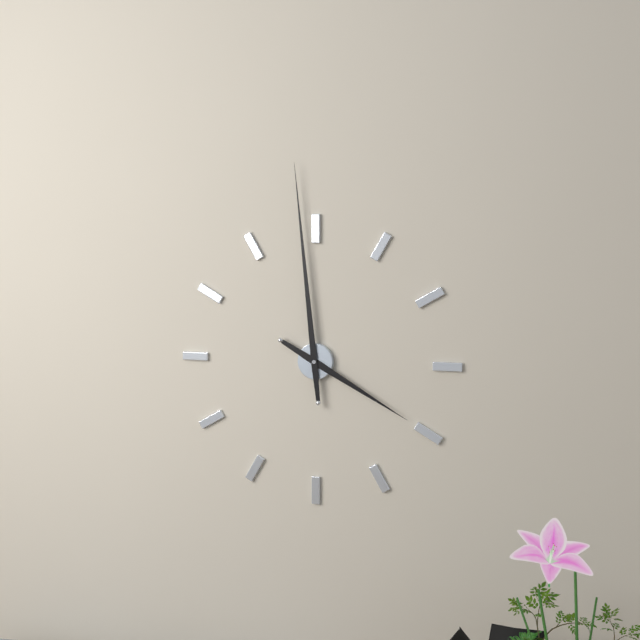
3:59
